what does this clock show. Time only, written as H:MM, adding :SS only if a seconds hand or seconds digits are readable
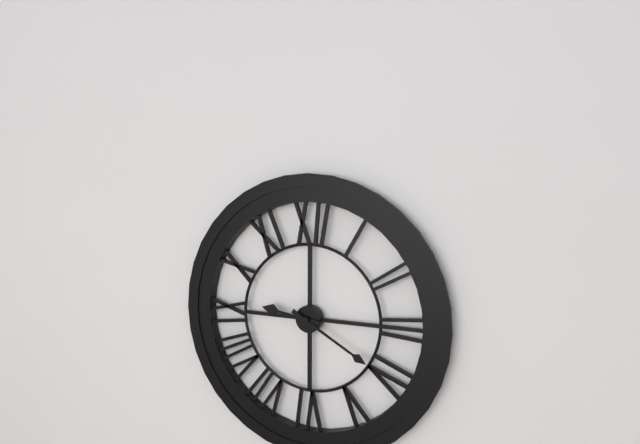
9:20
